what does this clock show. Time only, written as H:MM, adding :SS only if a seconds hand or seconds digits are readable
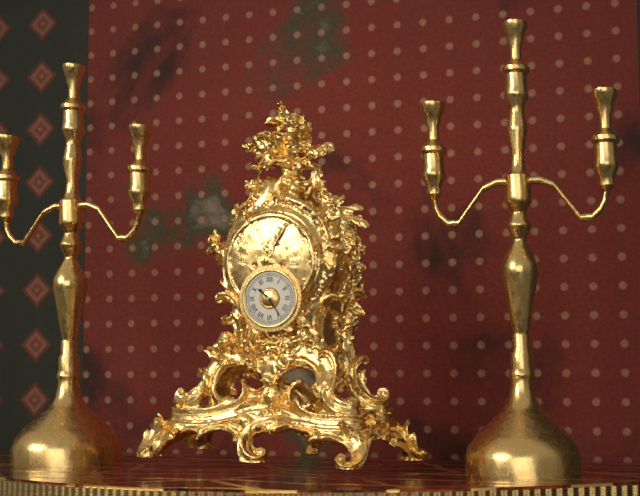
10:24
